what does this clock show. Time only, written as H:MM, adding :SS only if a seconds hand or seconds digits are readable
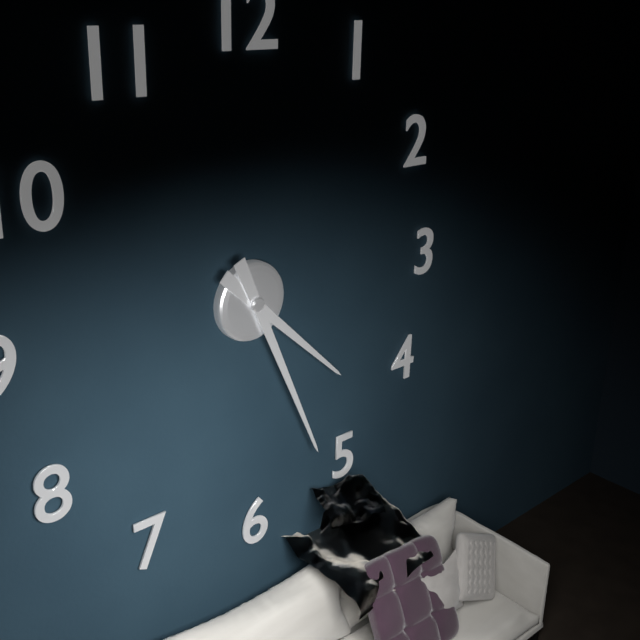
4:26
